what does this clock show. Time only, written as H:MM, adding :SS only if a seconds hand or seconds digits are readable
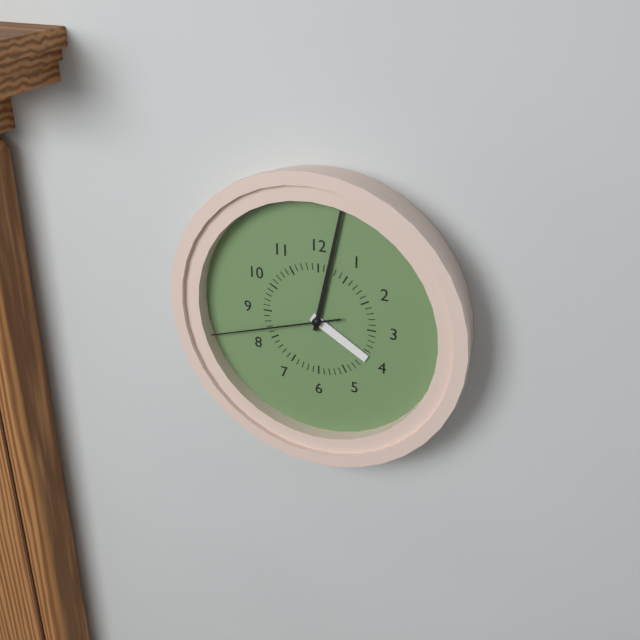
4:02:42
